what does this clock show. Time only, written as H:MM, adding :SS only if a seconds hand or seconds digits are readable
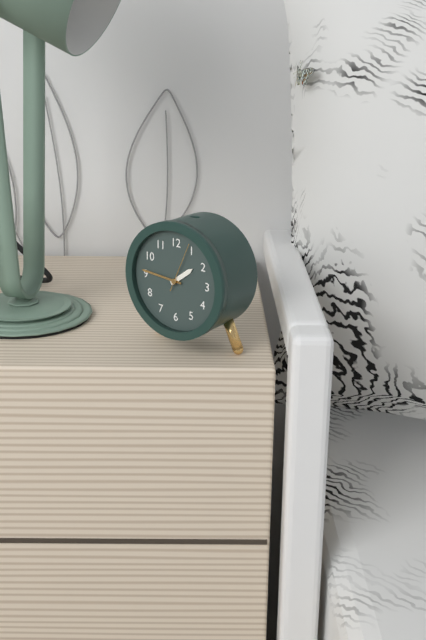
1:46:04
